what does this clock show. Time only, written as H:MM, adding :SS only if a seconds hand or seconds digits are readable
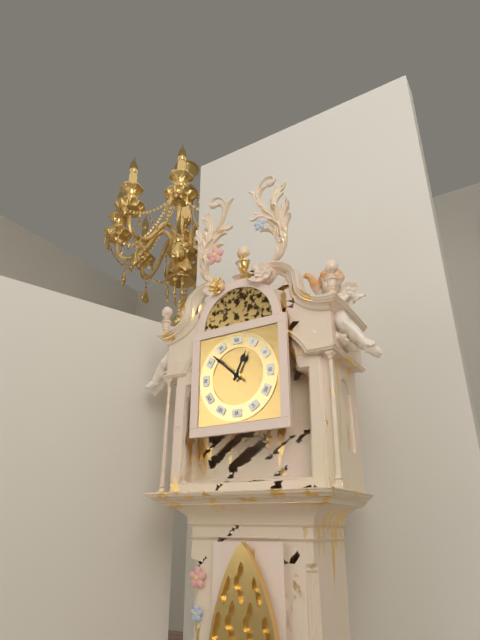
12:52
